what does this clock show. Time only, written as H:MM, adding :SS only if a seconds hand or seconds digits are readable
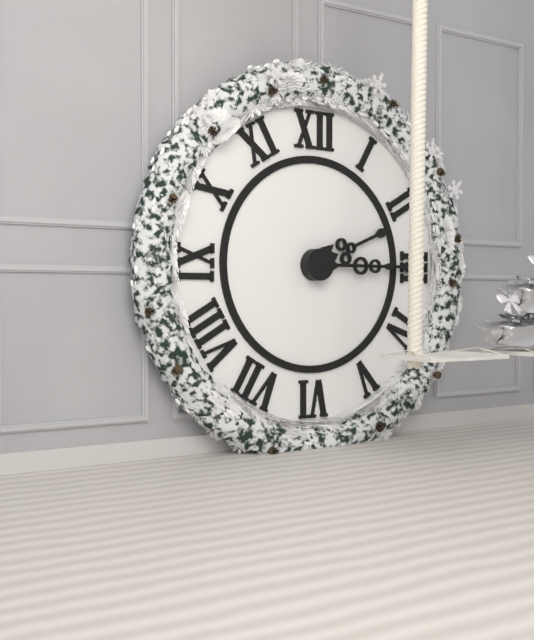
2:15
